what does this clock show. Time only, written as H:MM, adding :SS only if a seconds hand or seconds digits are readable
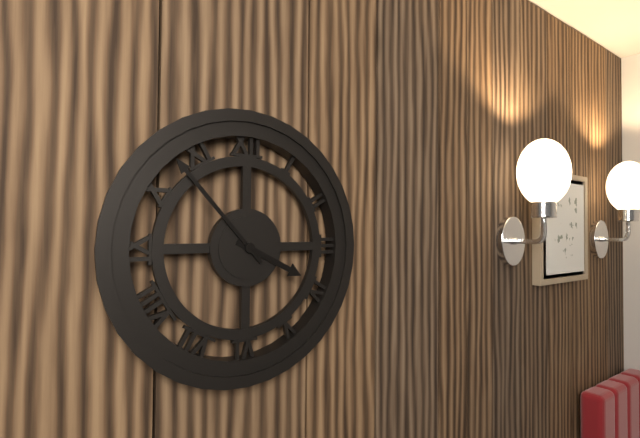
3:53
